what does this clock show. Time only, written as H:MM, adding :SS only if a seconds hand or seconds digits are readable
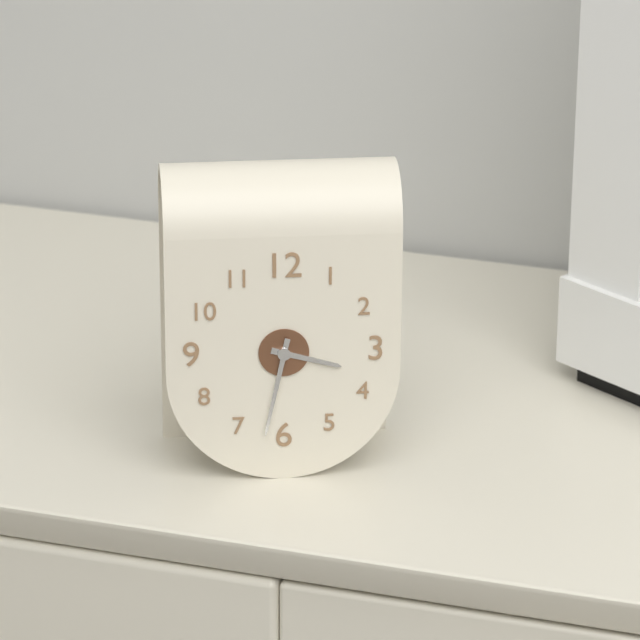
3:32
